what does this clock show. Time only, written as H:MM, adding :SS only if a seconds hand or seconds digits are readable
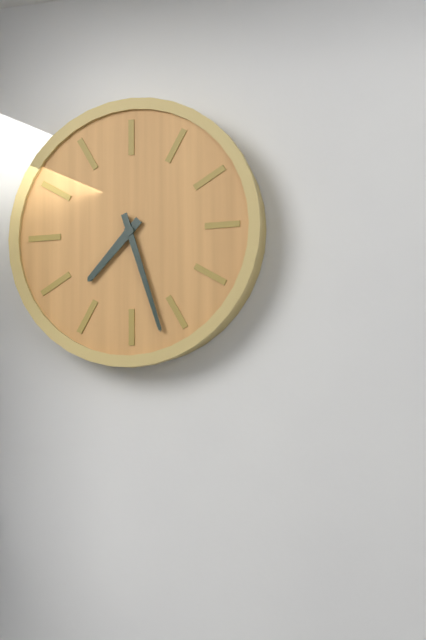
7:27
